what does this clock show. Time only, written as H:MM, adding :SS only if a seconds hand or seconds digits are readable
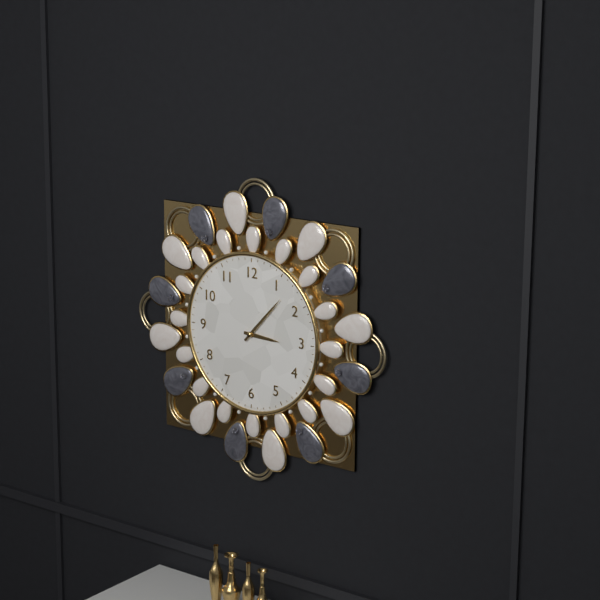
3:07
